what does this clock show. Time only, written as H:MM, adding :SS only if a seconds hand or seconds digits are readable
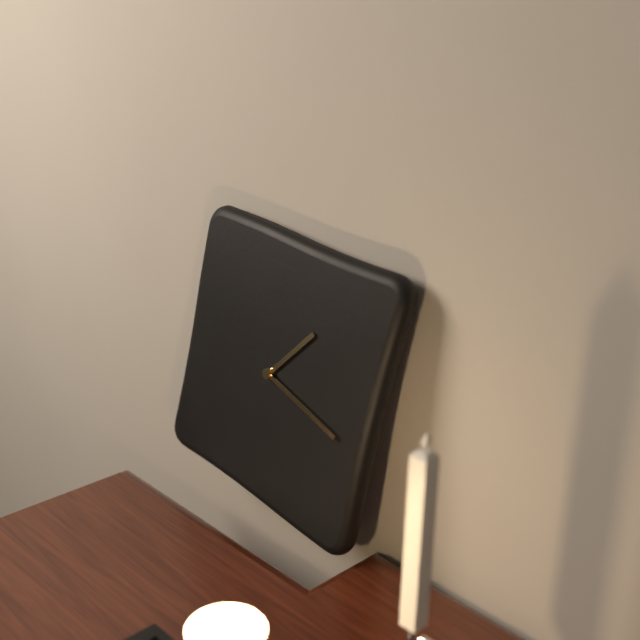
1:17
